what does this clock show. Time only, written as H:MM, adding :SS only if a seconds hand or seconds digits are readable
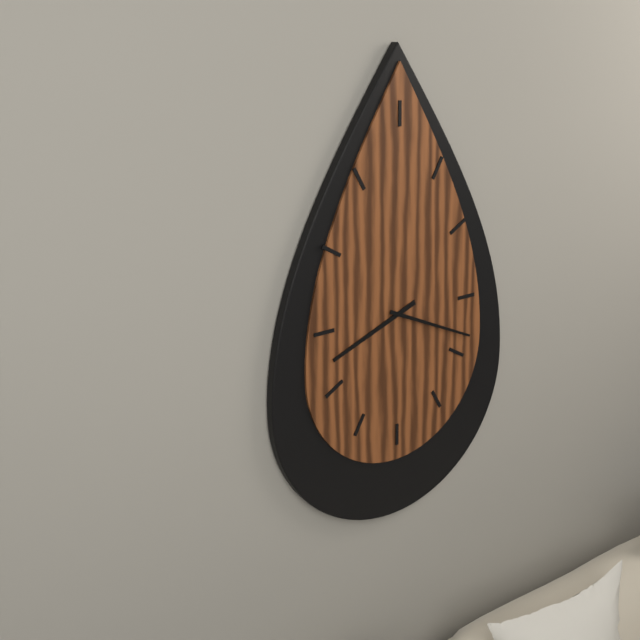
8:19
